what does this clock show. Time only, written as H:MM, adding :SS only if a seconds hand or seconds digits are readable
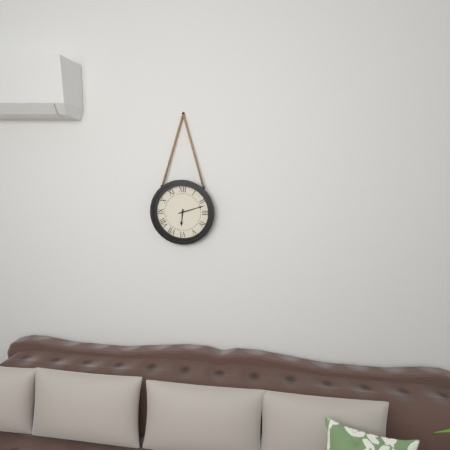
6:12
